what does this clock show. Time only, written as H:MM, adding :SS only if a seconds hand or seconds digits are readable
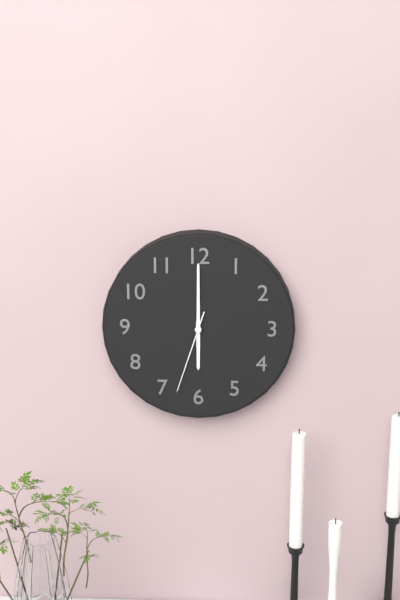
6:00:33
